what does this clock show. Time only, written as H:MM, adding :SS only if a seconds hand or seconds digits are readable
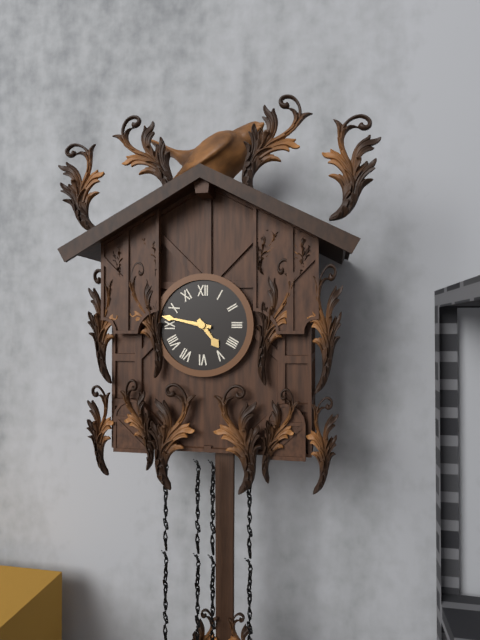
4:47
